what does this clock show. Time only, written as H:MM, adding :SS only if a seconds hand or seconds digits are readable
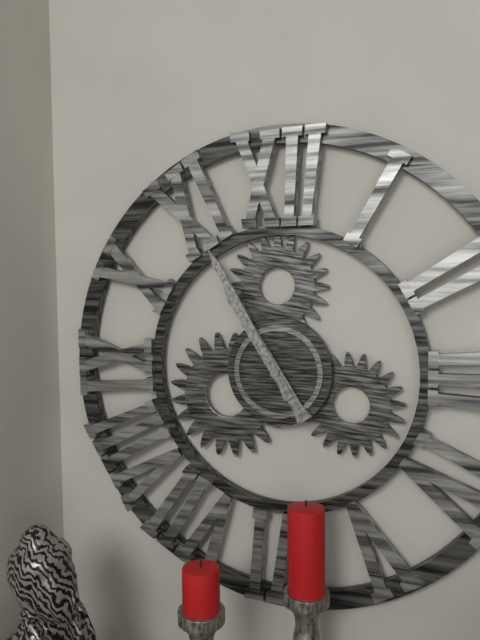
10:55
